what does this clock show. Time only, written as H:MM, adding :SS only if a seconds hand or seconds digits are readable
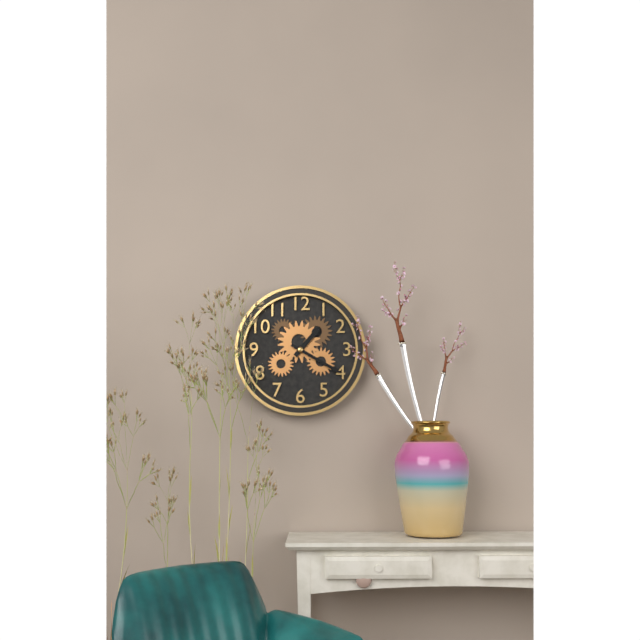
1:20
